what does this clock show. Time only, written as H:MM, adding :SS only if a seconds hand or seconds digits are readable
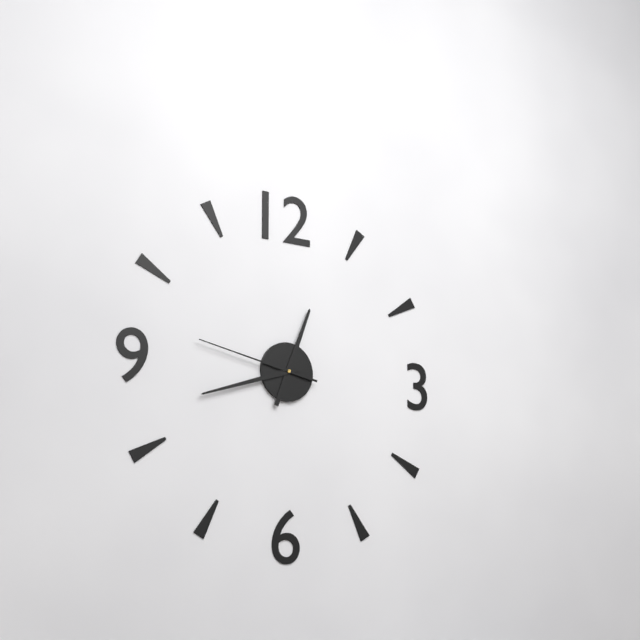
12:42:47
